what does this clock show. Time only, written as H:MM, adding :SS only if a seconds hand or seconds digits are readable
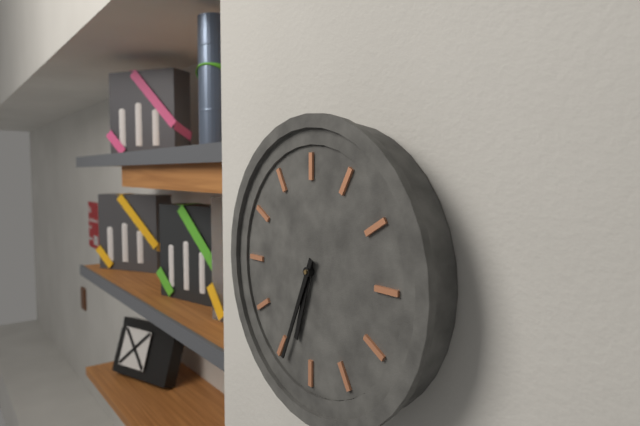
6:34
